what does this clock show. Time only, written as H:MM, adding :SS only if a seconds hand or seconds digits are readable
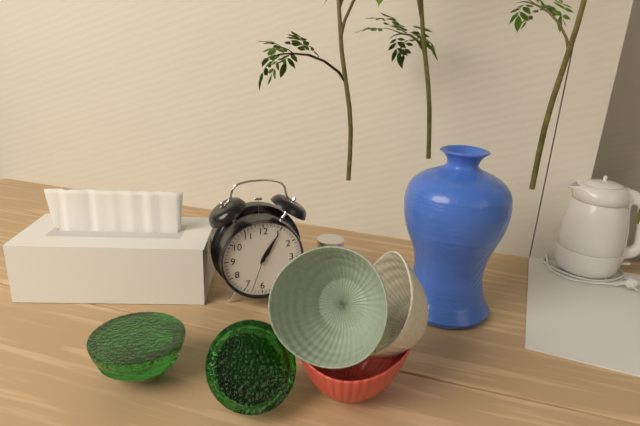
1:05
